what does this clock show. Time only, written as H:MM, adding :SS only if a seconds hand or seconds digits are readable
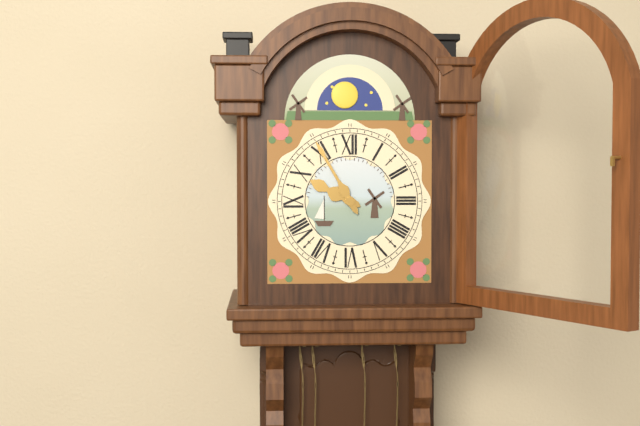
9:55
